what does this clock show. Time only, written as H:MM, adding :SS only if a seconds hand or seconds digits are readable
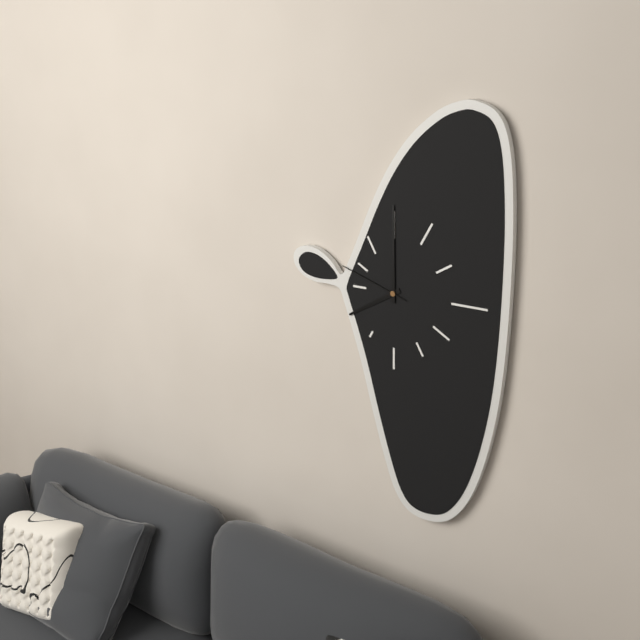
8:00:48
